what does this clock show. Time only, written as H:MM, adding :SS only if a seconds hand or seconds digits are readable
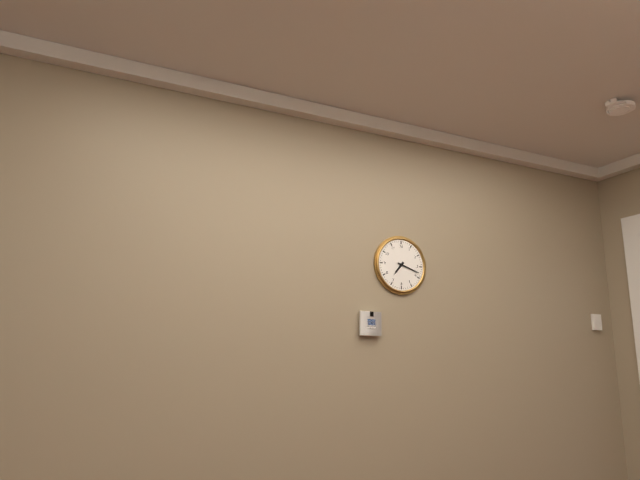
7:18
